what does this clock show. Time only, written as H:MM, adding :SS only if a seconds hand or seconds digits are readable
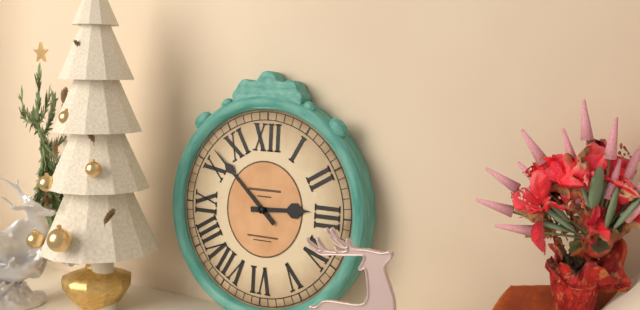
2:52
